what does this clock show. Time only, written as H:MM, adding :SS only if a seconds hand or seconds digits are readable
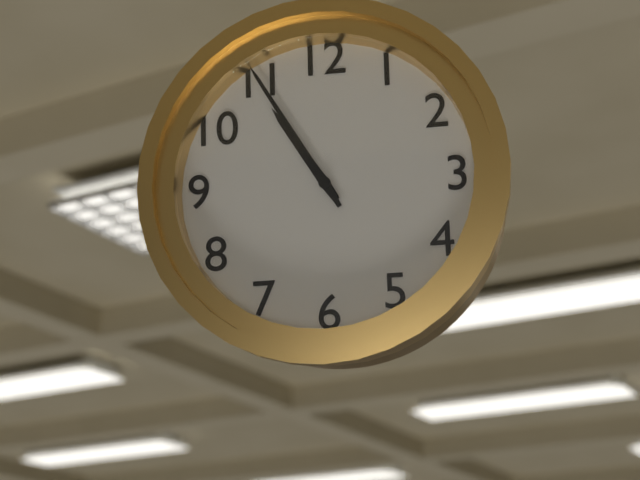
10:55
